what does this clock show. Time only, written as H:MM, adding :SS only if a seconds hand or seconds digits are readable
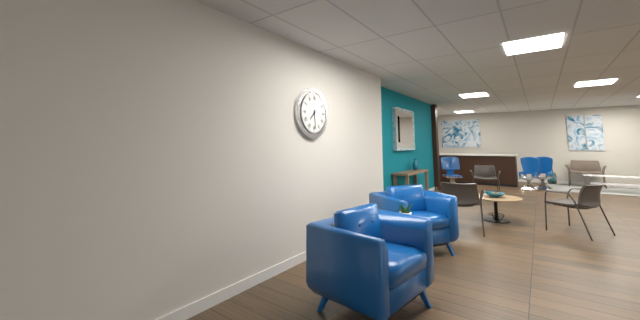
7:29
